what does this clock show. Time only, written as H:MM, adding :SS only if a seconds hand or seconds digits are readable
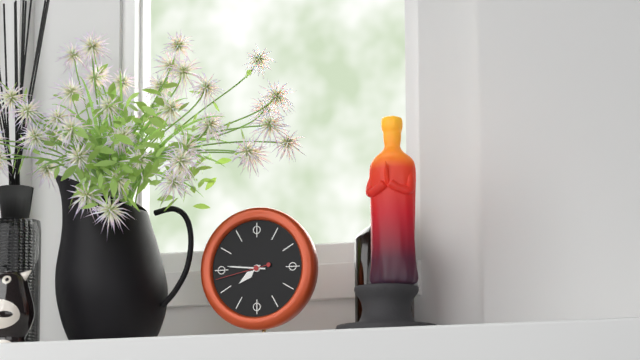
7:46:43
